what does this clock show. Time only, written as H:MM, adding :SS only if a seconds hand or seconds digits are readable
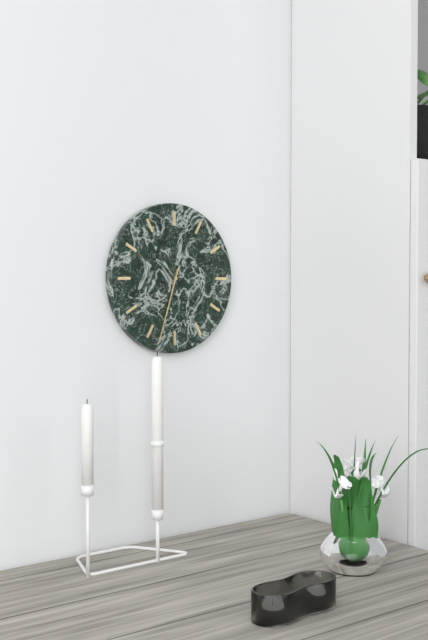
6:33
